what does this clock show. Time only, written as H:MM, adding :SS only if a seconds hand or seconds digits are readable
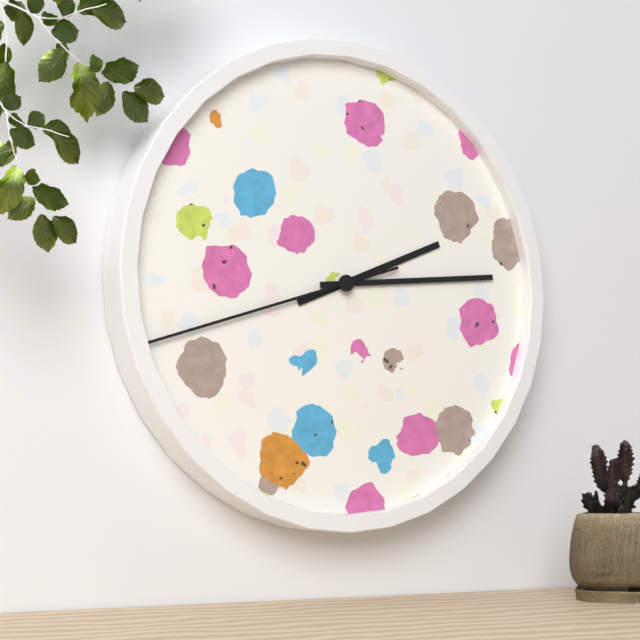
2:14:42
